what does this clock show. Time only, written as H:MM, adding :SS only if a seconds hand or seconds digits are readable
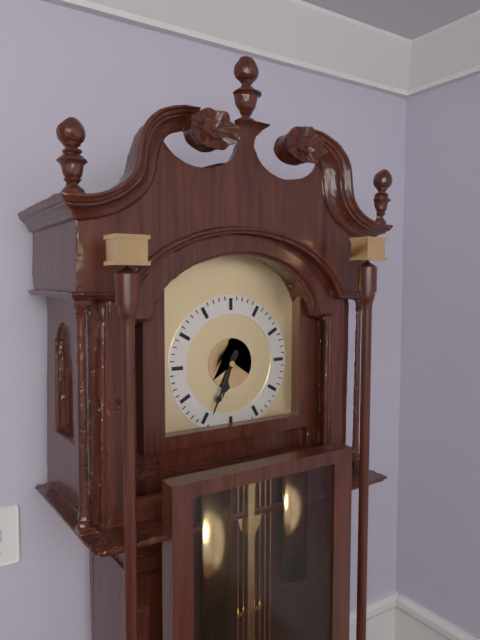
6:34
